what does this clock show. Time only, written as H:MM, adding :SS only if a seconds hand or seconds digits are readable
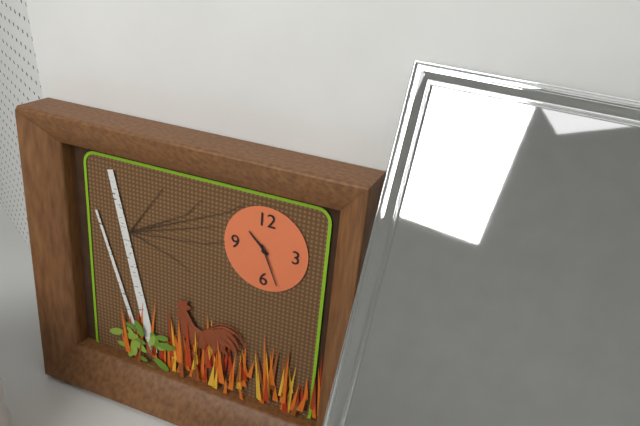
10:26
